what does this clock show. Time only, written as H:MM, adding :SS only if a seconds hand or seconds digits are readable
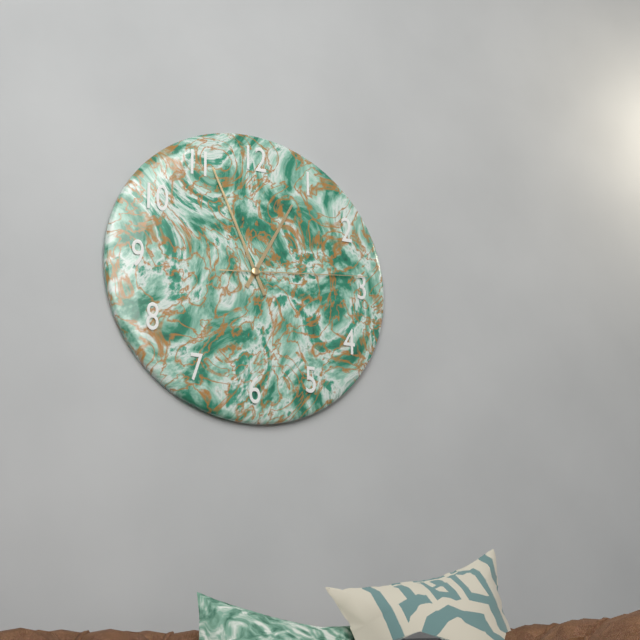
12:56:14
